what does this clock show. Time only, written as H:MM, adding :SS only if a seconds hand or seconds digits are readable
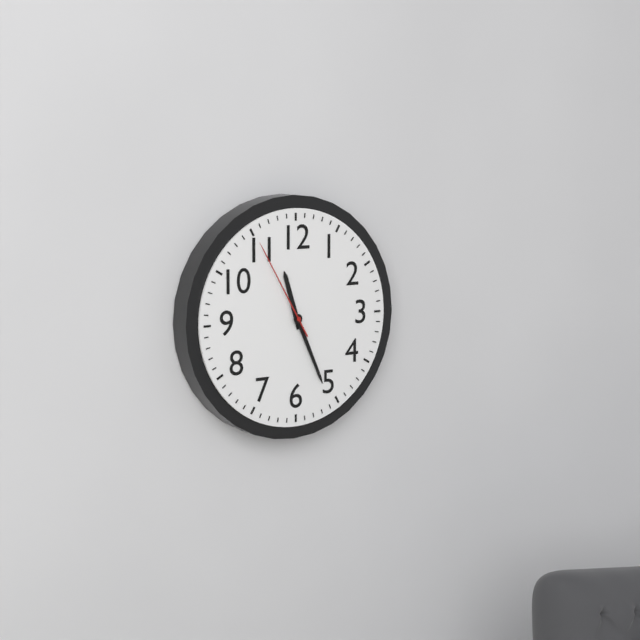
11:26:55
